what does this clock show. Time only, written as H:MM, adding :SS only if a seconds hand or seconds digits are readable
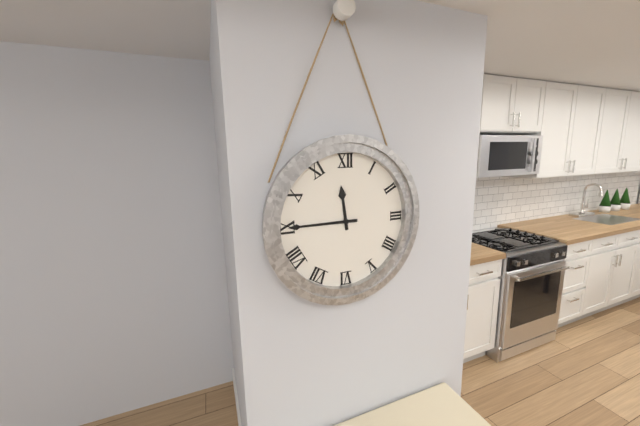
11:45
